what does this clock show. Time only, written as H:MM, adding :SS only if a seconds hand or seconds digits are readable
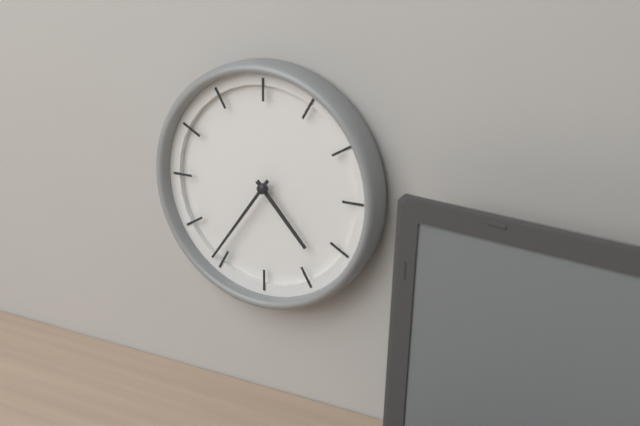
4:36
